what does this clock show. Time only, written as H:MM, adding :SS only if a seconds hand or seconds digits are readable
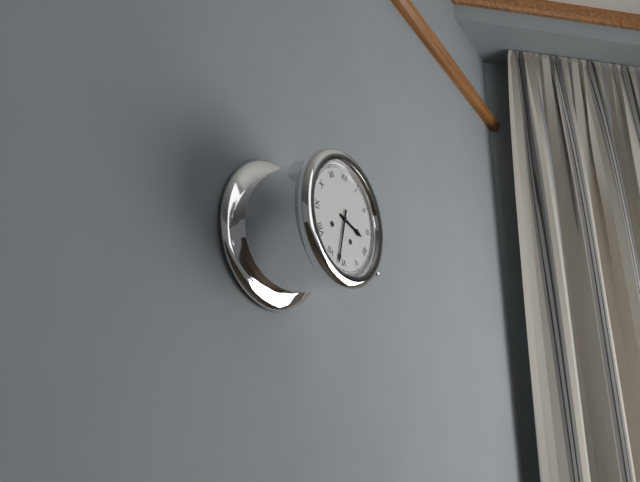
3:32
